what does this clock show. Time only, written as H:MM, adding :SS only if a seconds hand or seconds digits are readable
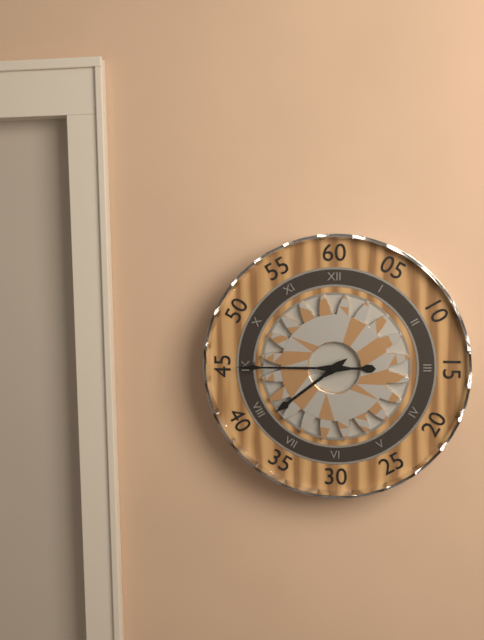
7:45
